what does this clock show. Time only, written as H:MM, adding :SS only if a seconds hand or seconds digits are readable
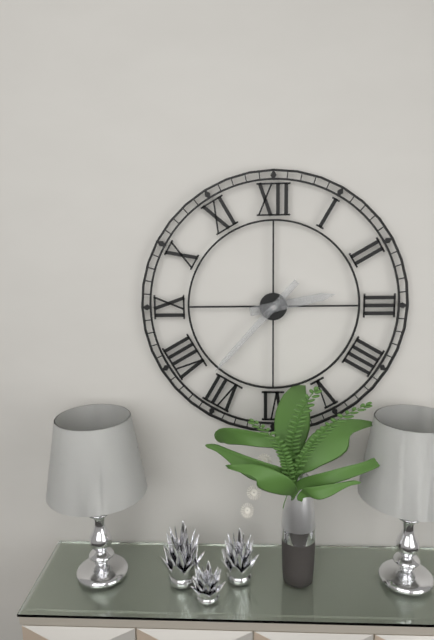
2:37
